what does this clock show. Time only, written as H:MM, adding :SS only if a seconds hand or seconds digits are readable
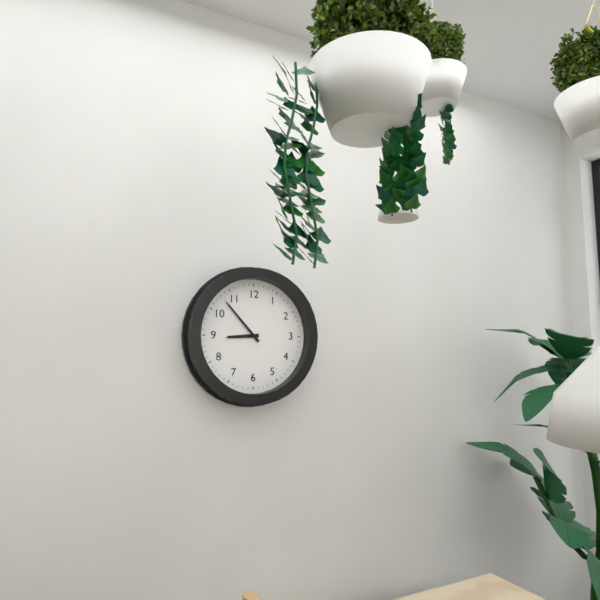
8:53
